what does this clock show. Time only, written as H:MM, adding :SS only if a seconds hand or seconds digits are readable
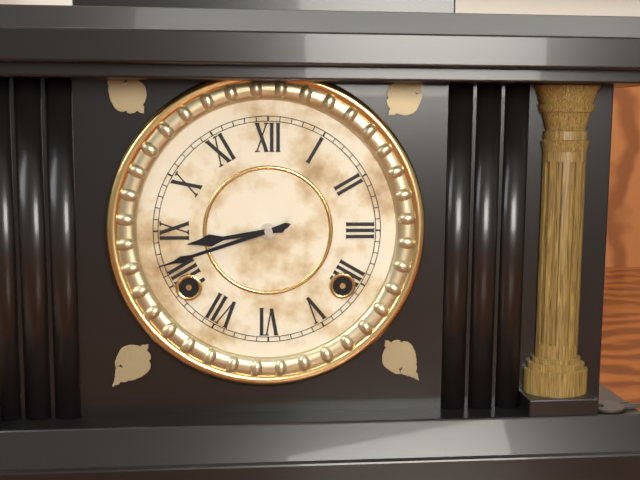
8:42
